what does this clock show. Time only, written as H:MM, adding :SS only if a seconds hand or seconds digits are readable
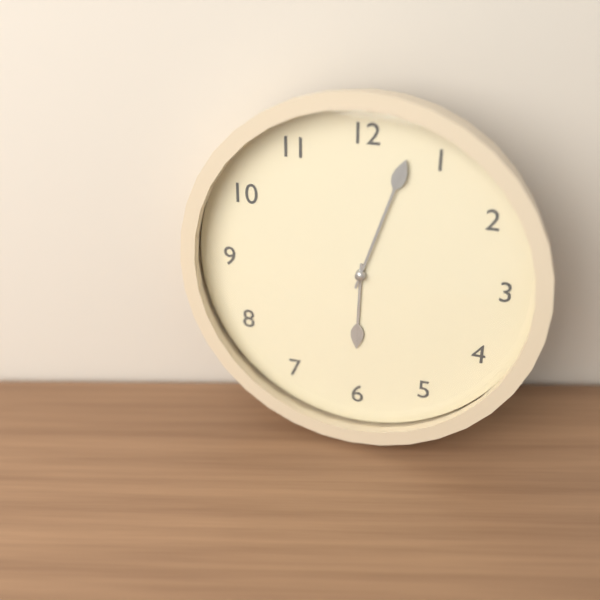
6:03
